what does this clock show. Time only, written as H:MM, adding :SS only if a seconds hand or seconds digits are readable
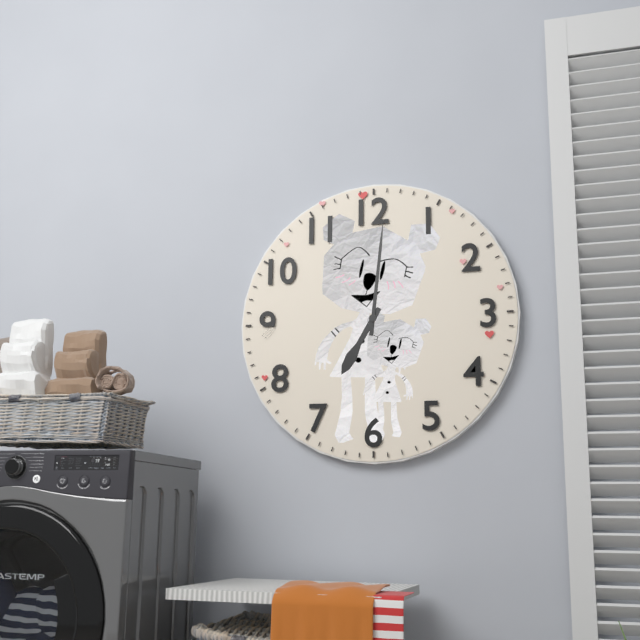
7:01
